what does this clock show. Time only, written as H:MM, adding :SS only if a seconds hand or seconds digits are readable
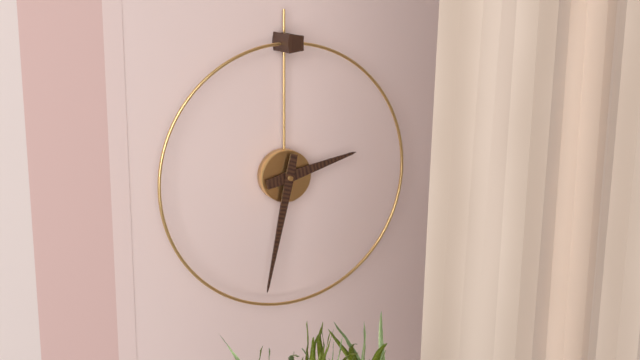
2:32
